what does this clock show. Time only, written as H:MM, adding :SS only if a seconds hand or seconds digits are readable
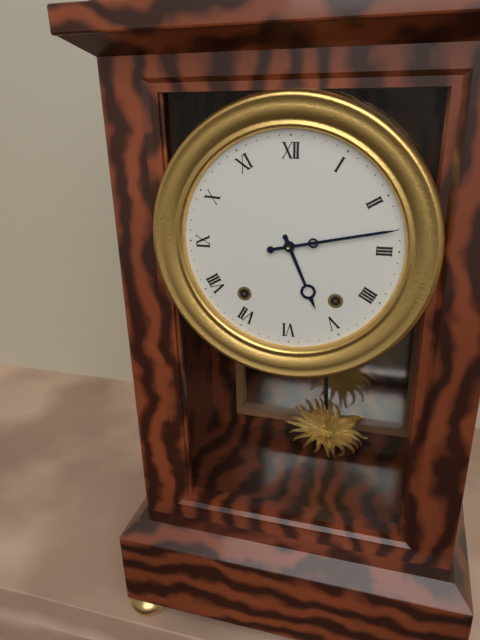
5:13
